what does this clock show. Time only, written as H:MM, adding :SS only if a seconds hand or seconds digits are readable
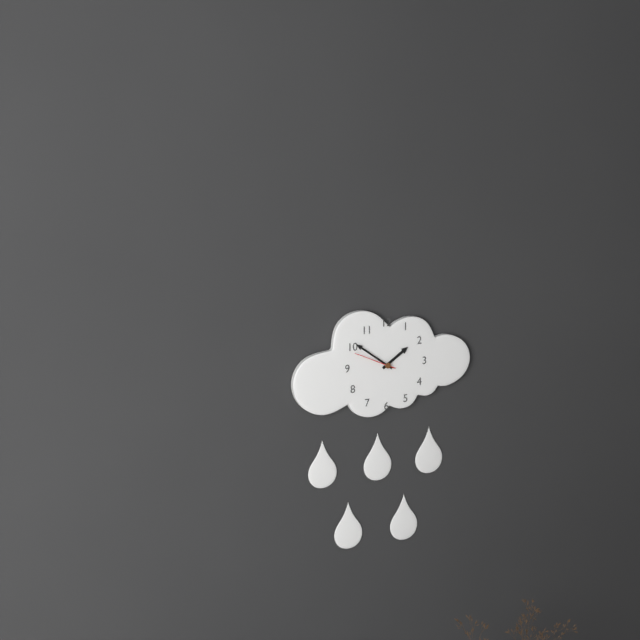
1:51
